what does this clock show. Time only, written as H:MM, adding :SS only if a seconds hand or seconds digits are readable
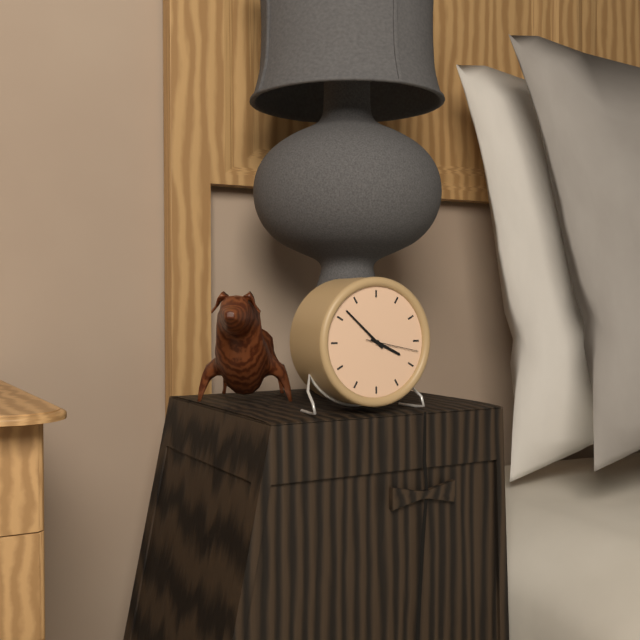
3:52:17
